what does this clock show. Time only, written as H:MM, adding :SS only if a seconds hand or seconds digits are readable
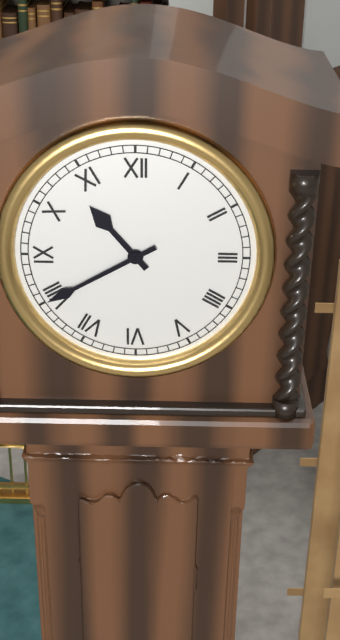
10:40
